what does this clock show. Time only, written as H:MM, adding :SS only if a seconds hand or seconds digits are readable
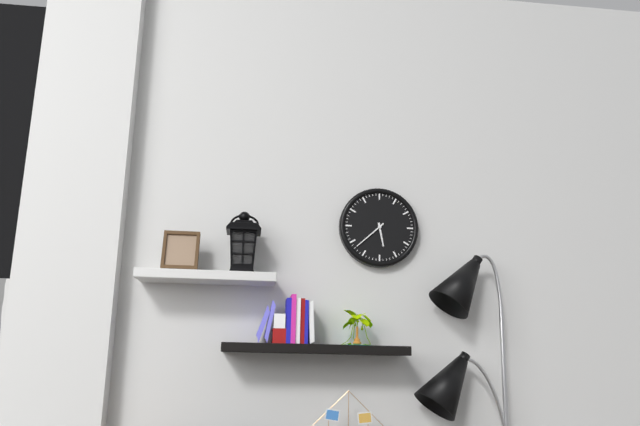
5:38
